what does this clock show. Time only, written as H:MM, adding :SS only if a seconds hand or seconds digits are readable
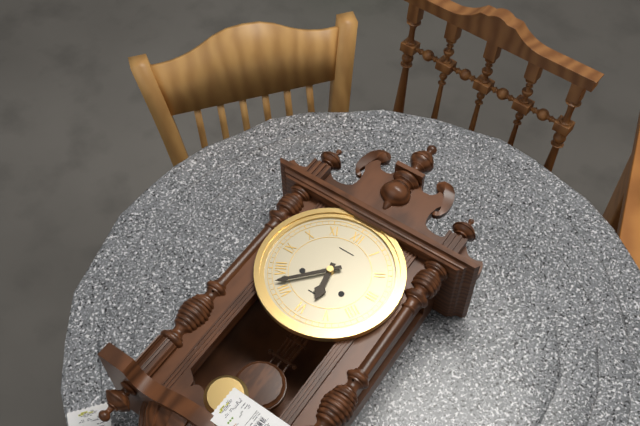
5:37
